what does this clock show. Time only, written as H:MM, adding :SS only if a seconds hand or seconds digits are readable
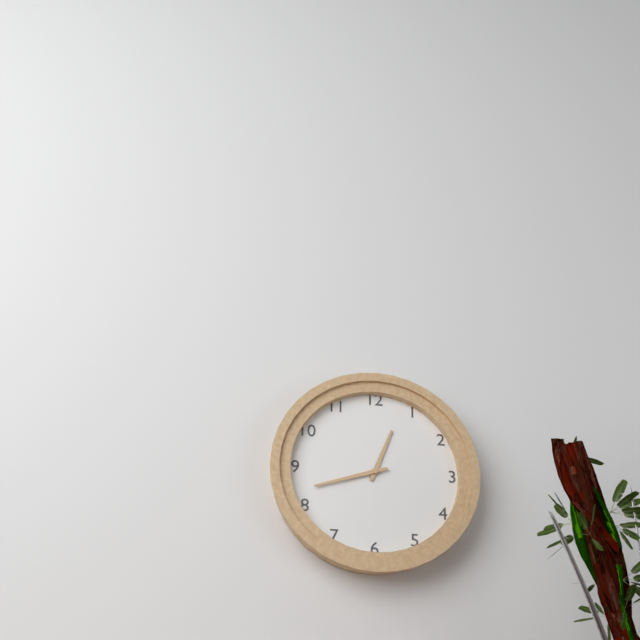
12:42
